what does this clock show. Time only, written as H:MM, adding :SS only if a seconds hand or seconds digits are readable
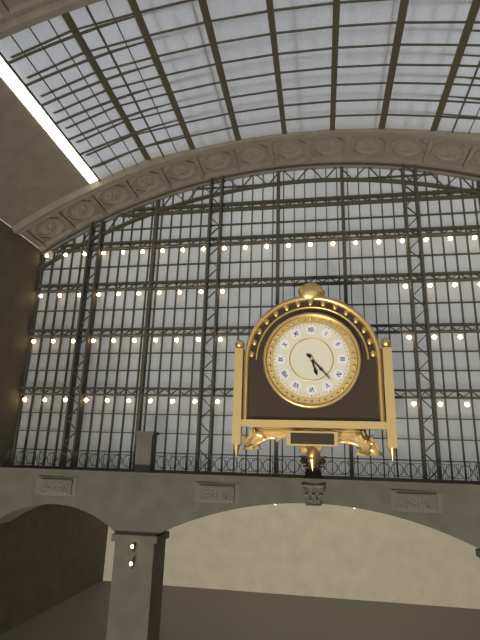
5:23
